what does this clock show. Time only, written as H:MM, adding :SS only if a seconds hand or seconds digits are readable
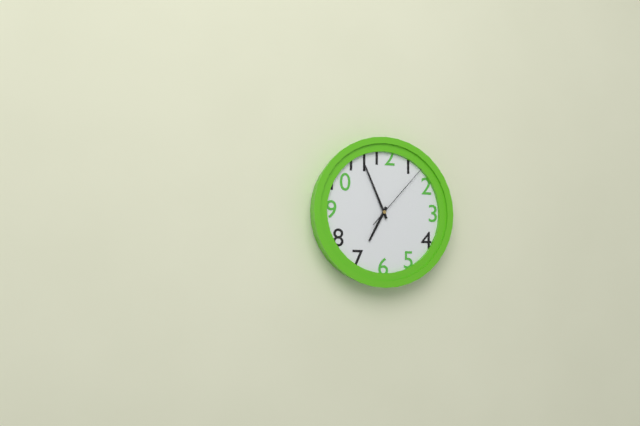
6:56:07
